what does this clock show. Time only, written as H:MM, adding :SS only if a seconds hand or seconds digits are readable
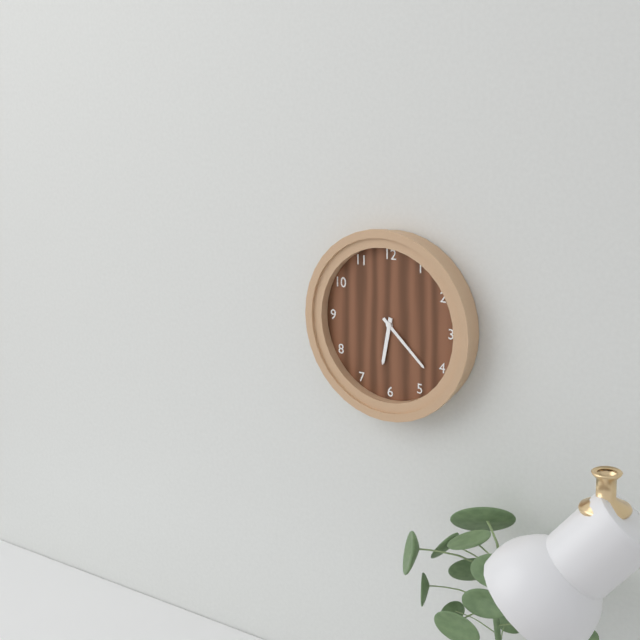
6:22
